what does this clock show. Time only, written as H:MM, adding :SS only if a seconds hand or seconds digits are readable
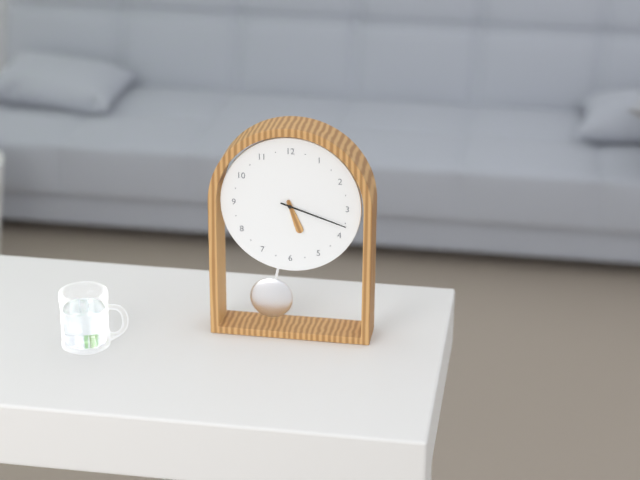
5:18
